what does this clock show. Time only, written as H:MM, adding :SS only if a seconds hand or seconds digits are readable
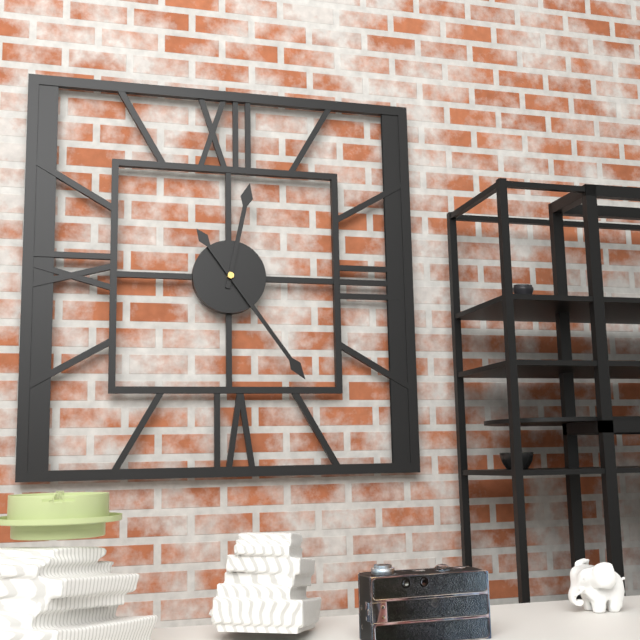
12:24
